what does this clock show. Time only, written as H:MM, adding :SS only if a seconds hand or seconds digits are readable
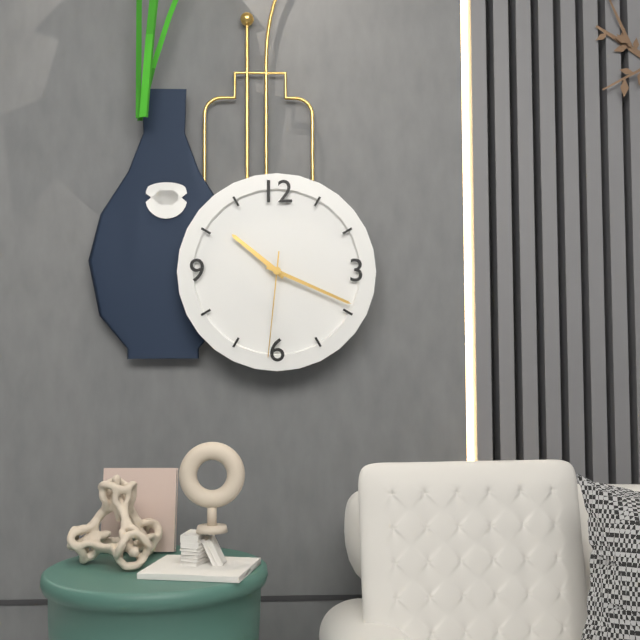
10:19:31
